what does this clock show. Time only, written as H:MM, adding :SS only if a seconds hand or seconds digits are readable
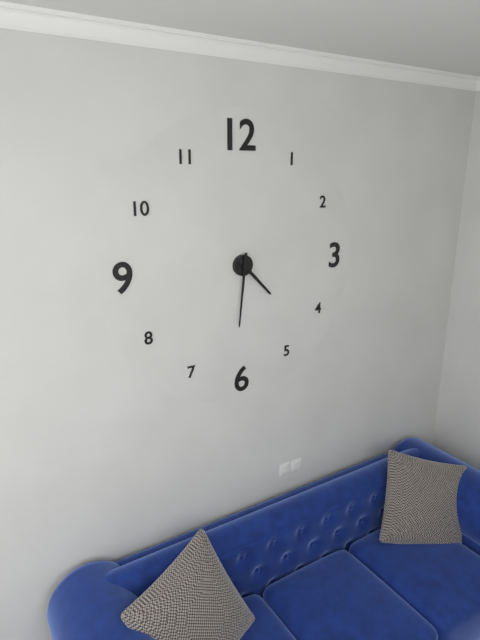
4:31
